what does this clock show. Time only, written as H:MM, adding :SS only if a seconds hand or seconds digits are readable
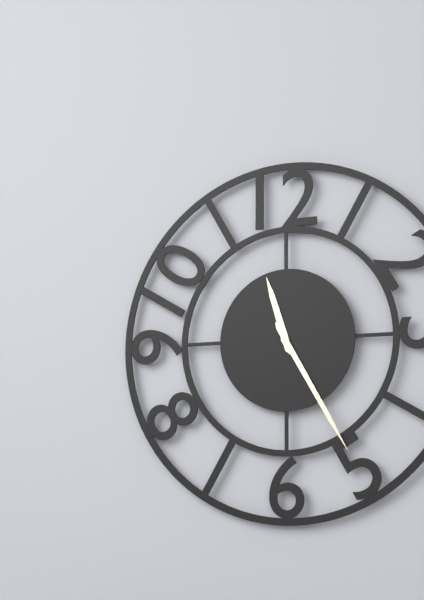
11:25
